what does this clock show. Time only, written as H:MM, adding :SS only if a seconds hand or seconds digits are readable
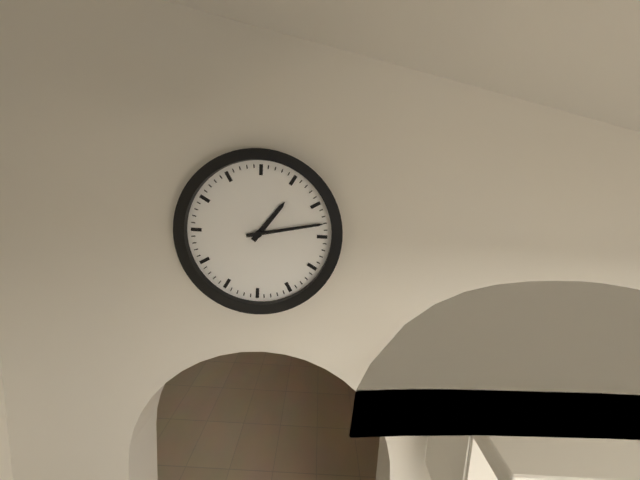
1:13
